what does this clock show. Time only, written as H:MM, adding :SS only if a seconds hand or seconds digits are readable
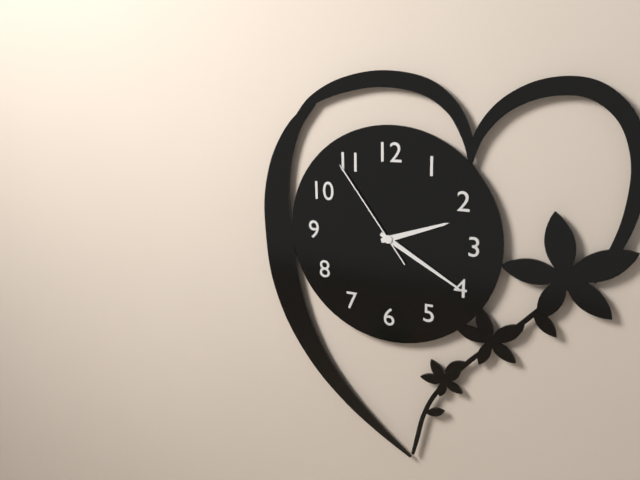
2:20:54
